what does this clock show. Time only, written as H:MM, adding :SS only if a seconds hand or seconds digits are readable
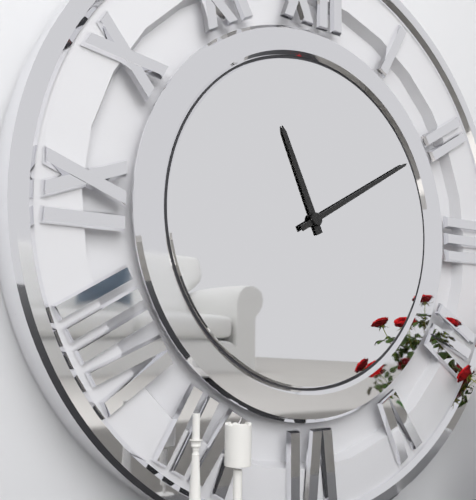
11:10
